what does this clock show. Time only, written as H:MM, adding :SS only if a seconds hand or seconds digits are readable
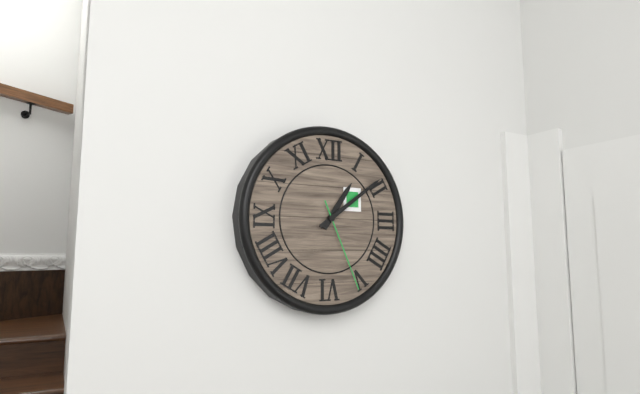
1:09:26
